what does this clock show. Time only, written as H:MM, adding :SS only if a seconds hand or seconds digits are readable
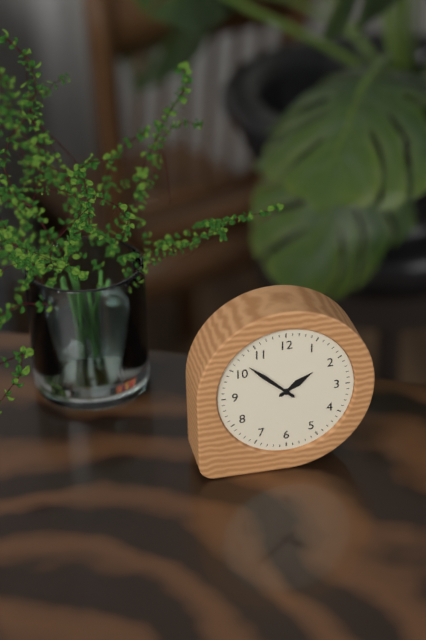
1:52
